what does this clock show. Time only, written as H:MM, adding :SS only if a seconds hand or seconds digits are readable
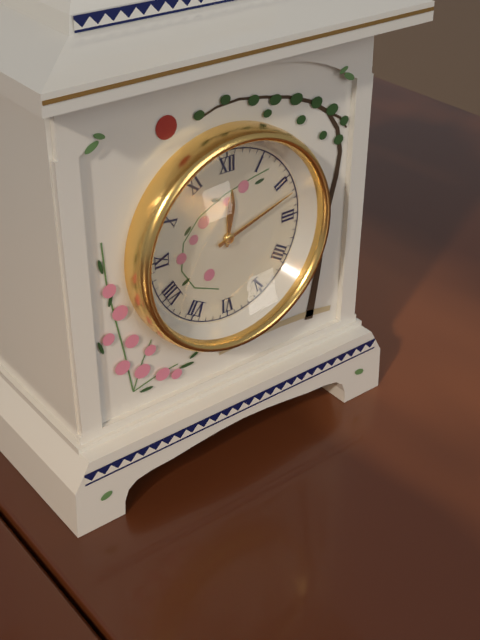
12:12
